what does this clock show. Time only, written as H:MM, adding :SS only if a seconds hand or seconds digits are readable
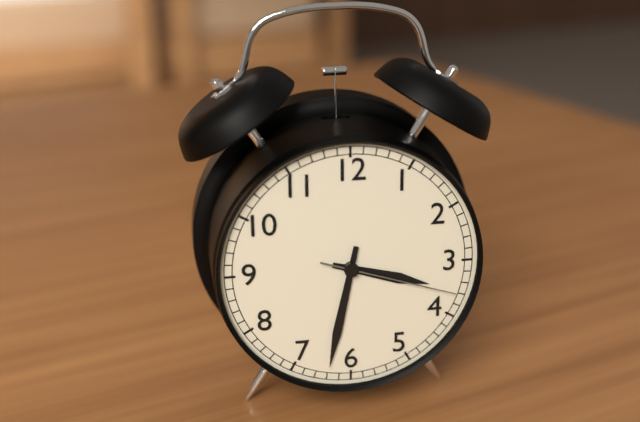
3:32:18
